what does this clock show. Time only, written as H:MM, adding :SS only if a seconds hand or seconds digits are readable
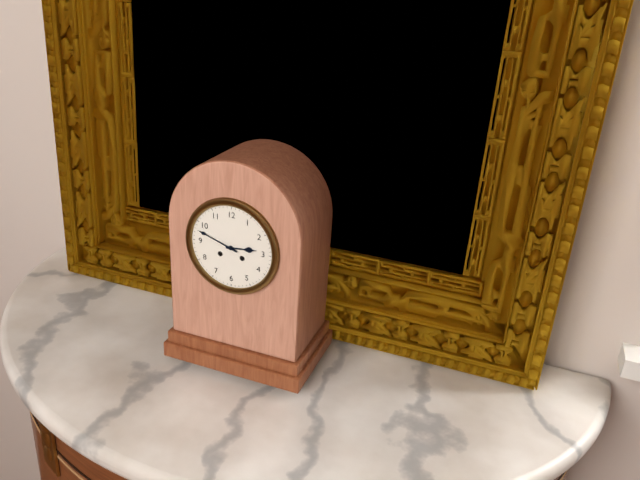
2:48
